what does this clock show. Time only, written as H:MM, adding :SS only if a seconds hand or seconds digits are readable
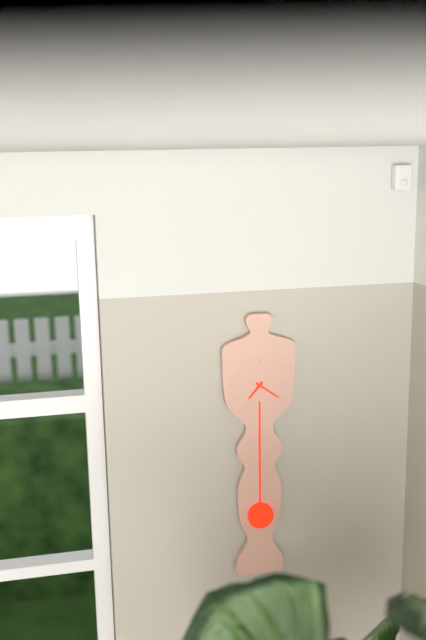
7:21
